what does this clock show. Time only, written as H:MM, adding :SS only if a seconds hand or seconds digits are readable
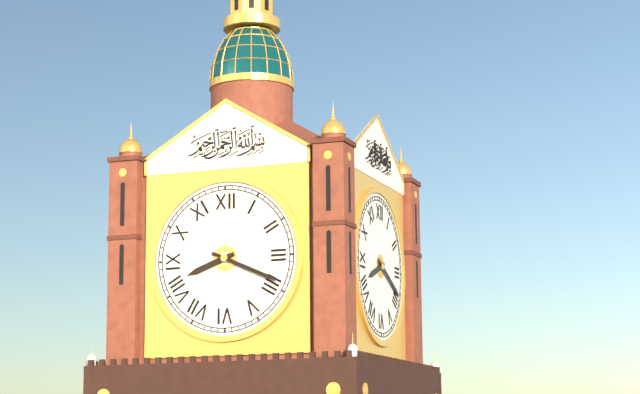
8:19
